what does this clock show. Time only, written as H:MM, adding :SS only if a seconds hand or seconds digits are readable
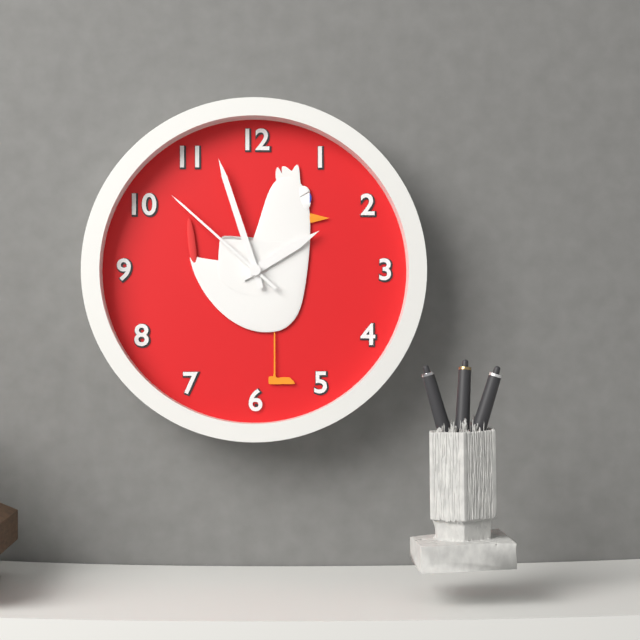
1:57:52
